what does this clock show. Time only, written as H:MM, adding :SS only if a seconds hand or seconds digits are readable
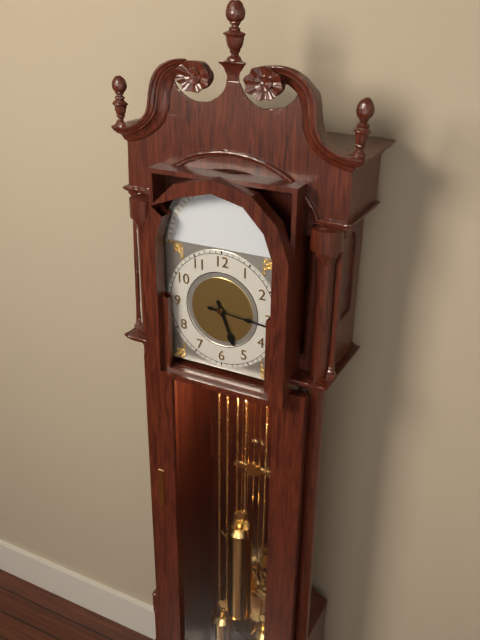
5:16
